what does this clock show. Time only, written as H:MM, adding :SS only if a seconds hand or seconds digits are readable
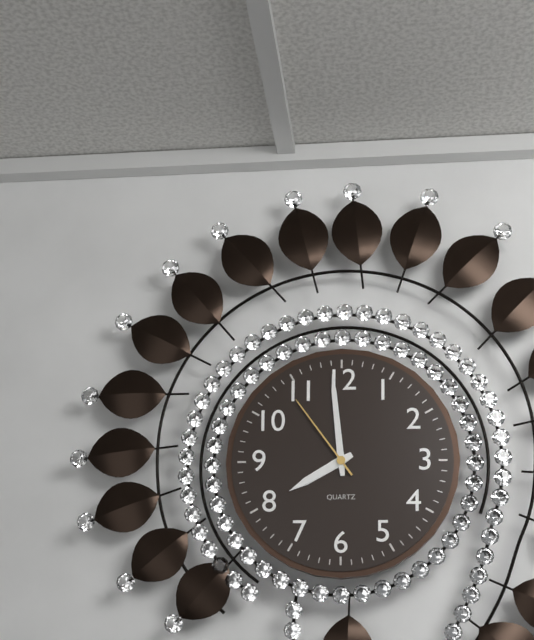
7:59:54
